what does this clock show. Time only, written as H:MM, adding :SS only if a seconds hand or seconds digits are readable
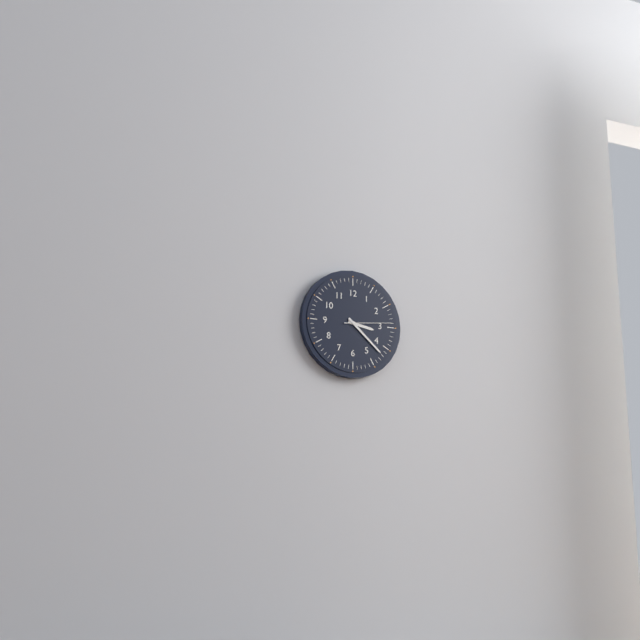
3:22
